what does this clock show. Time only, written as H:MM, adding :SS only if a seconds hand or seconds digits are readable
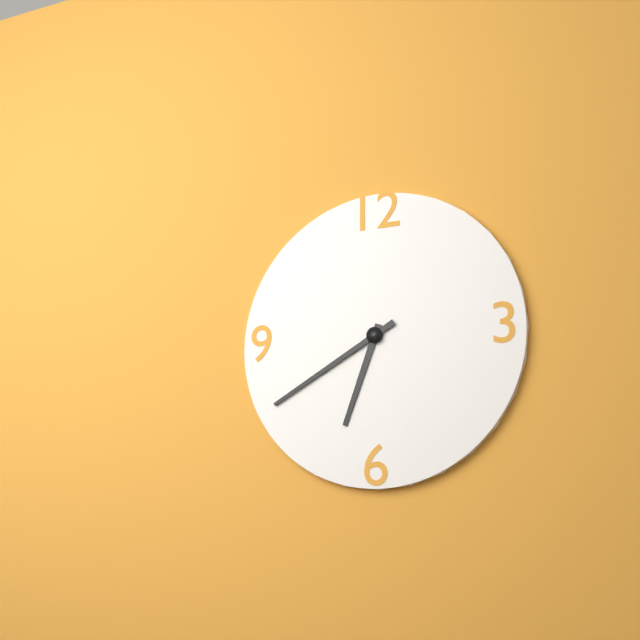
6:40
